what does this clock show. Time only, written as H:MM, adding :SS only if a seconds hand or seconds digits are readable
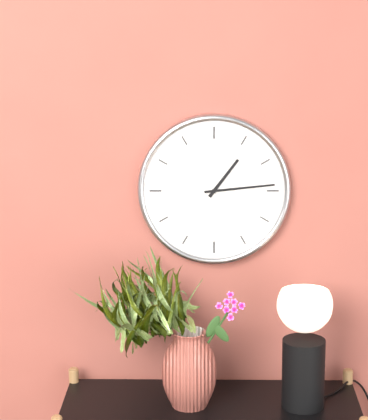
1:14
